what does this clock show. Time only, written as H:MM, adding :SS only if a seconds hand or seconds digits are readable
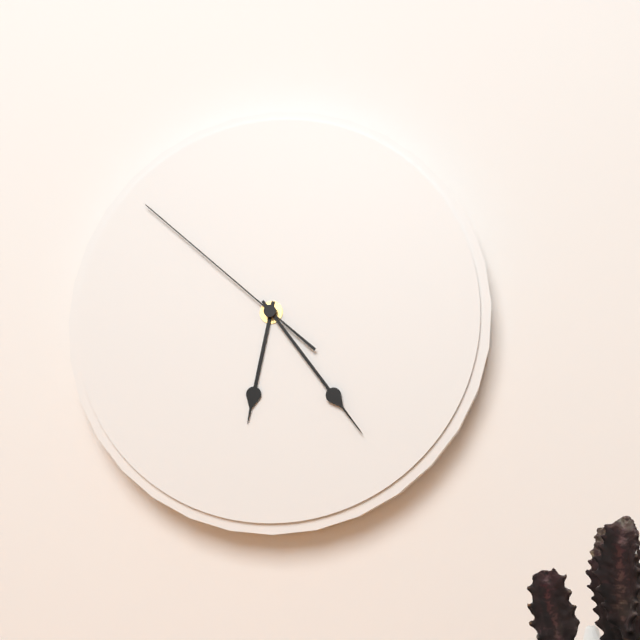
6:24:52
